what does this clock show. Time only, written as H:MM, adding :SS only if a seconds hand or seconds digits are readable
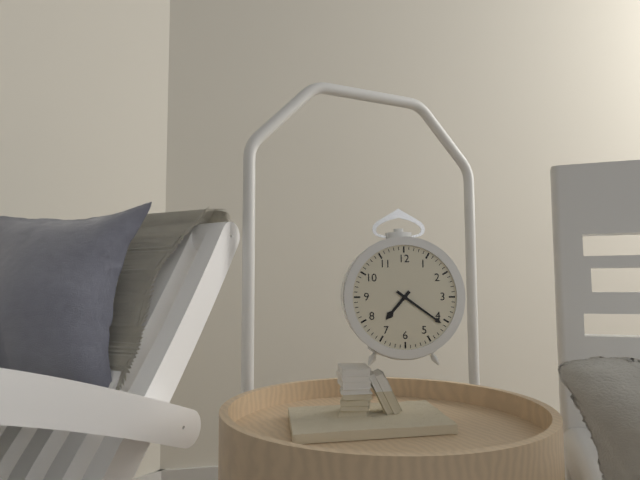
7:21
